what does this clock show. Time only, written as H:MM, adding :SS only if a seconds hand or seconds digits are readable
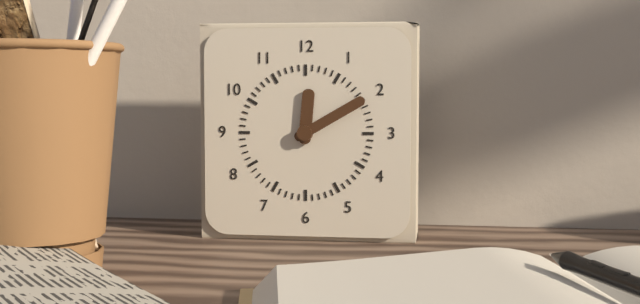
12:10
